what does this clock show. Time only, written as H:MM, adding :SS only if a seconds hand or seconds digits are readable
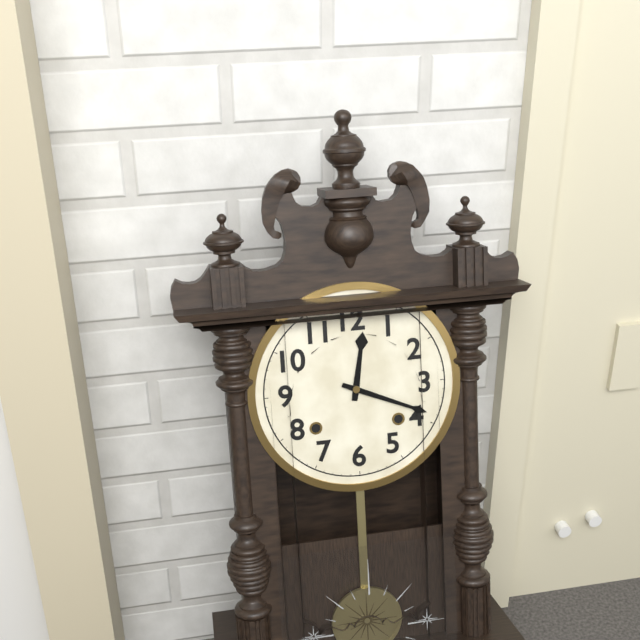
12:19
